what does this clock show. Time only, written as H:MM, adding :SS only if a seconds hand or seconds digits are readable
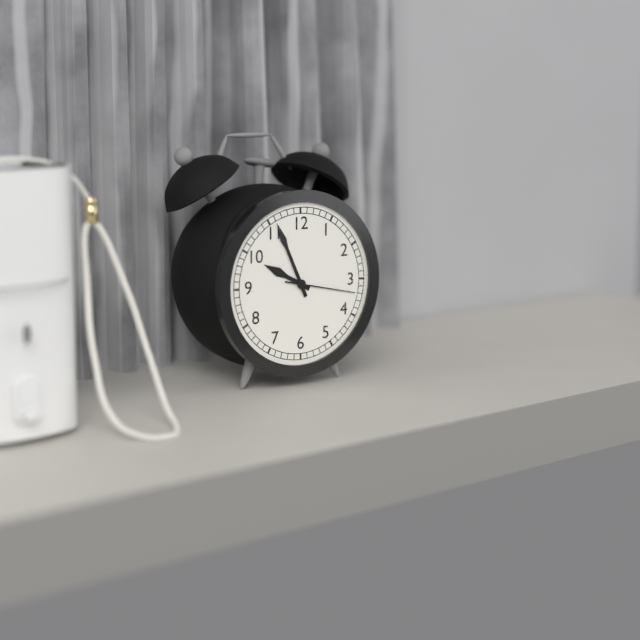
9:56:17
